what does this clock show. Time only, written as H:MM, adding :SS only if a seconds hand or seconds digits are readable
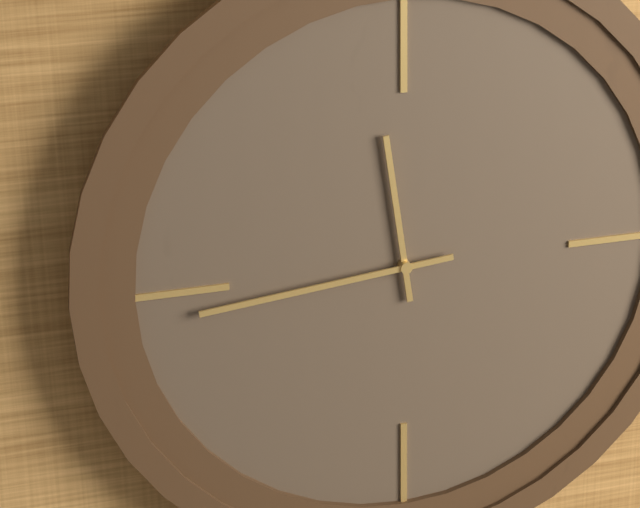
11:44
